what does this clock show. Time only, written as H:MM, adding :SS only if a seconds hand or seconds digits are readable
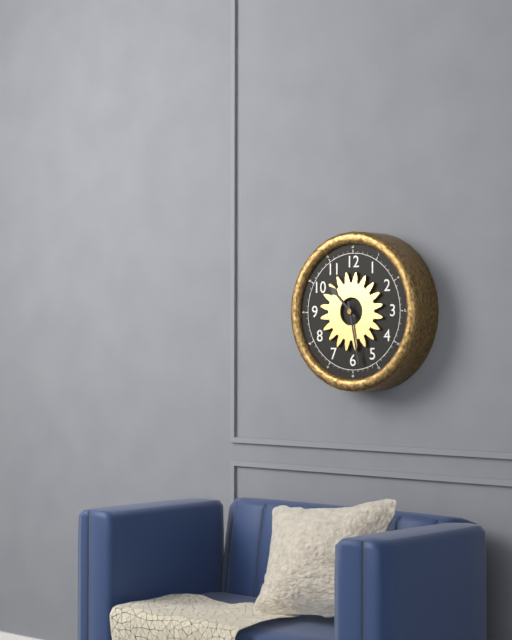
10:28
